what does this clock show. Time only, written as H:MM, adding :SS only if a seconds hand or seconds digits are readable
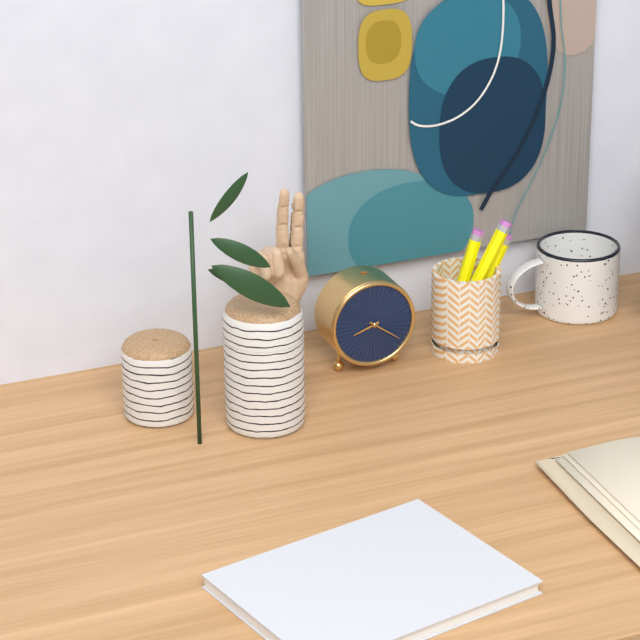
8:21
